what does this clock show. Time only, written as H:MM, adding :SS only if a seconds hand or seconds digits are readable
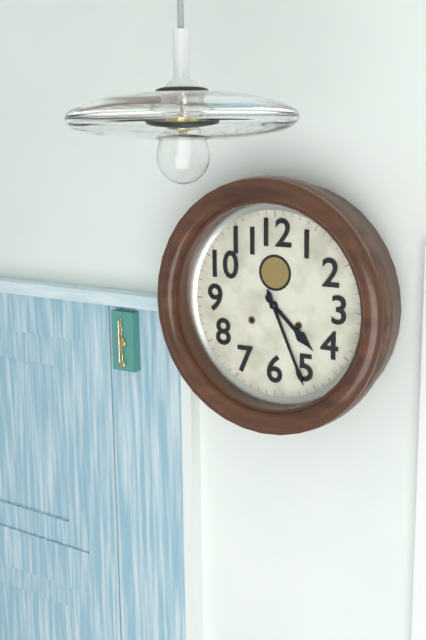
4:26
